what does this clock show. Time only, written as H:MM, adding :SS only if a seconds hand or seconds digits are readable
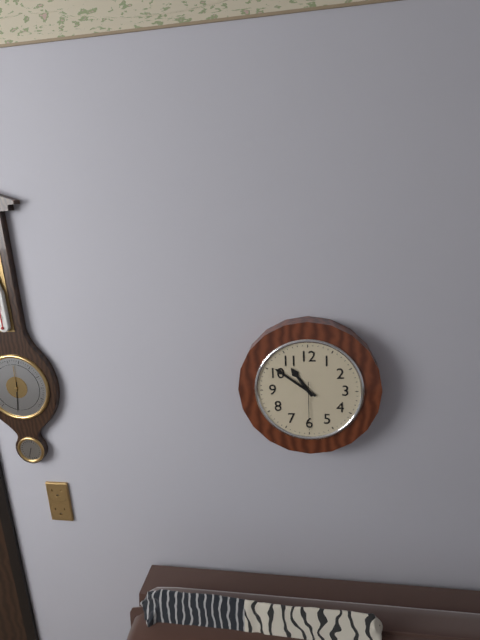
10:51
